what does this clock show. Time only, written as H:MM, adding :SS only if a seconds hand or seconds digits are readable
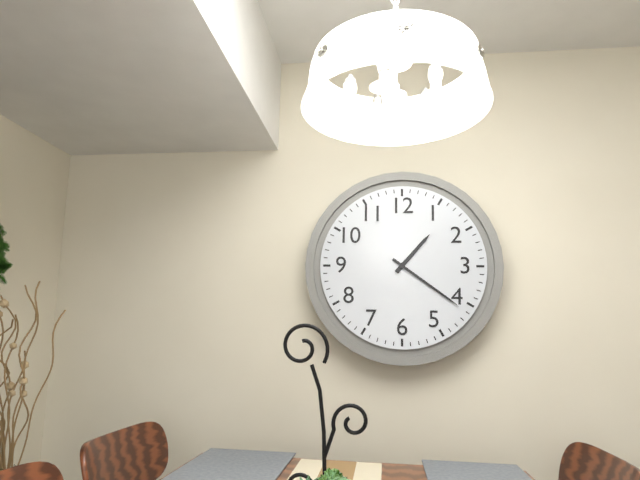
1:21
